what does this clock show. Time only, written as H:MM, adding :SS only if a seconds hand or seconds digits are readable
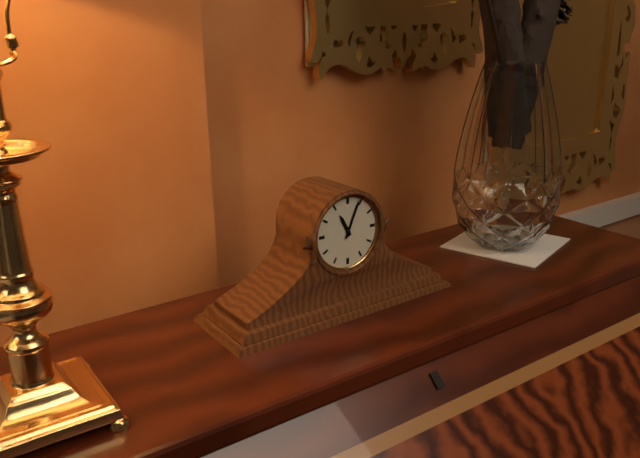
11:04
